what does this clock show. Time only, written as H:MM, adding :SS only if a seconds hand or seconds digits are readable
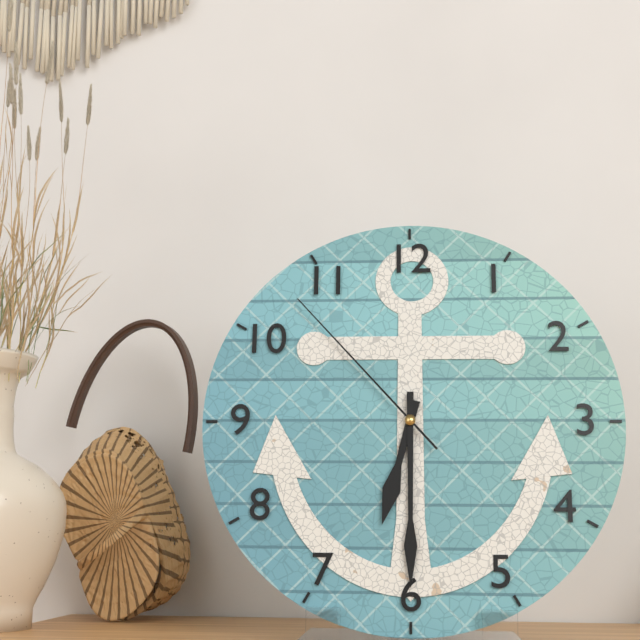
6:30:53
